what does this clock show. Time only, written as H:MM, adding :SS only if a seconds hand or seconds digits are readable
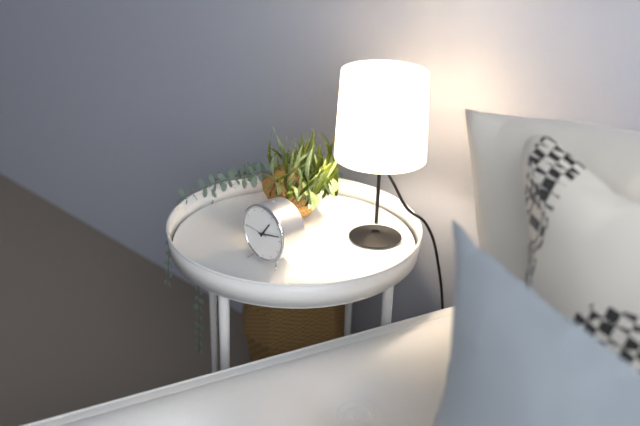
1:13
